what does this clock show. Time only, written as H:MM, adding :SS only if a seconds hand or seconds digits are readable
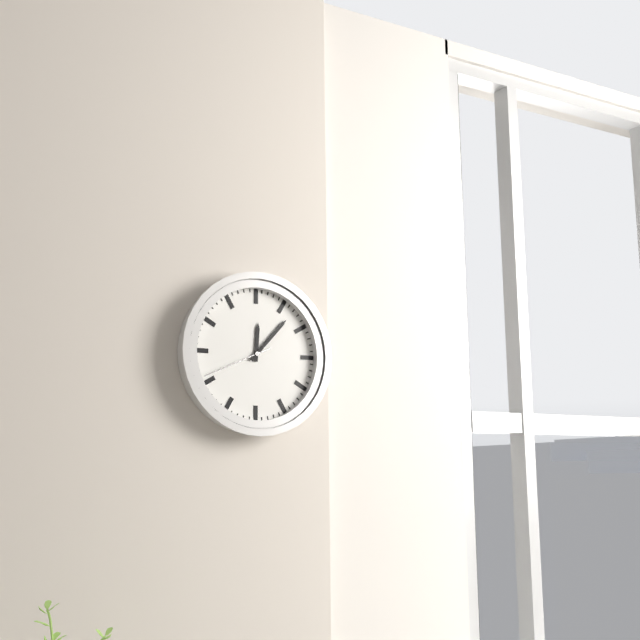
12:07:41
